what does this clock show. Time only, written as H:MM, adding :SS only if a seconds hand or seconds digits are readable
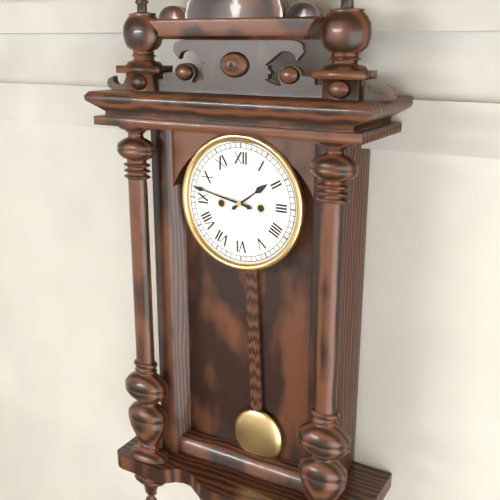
1:47
